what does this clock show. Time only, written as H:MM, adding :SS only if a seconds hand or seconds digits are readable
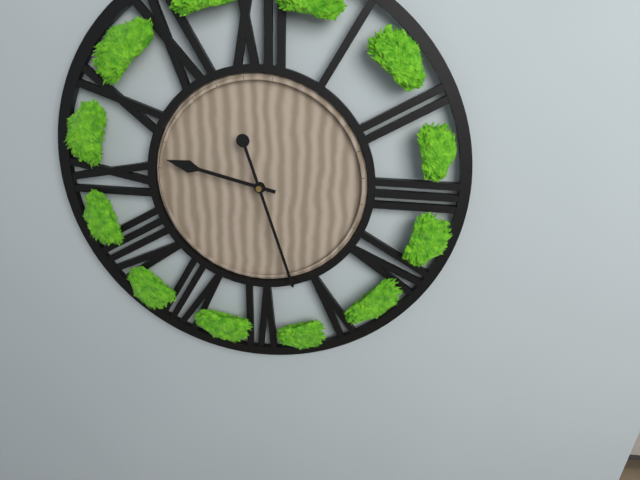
9:27
